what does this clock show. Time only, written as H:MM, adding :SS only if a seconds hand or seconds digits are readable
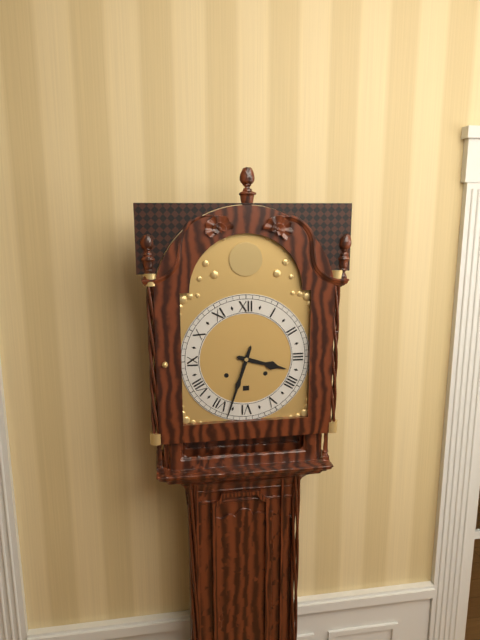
3:33
